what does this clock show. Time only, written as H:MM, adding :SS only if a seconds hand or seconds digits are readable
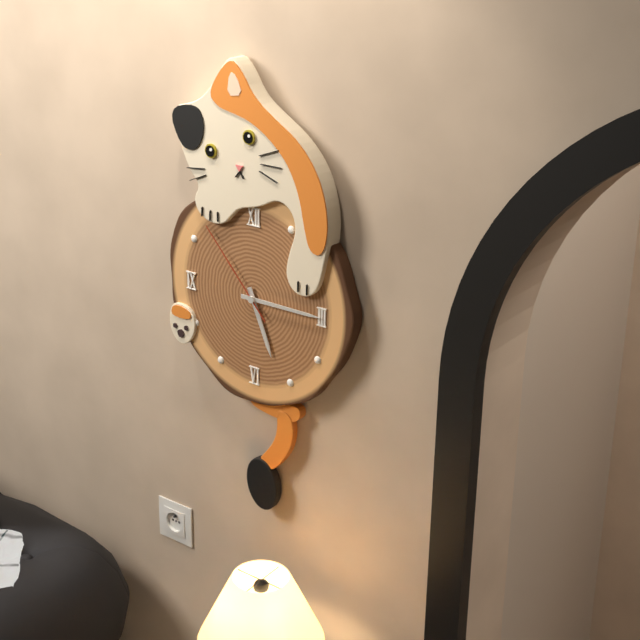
5:15:53
